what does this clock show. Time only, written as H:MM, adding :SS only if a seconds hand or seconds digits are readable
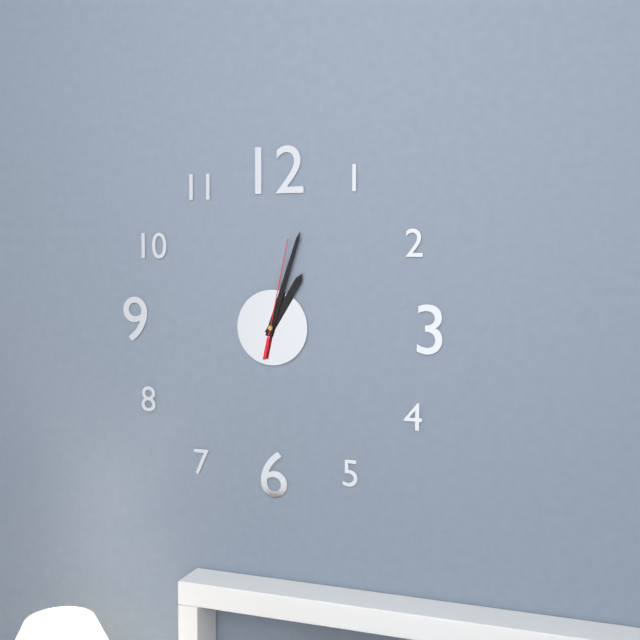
1:03:02
